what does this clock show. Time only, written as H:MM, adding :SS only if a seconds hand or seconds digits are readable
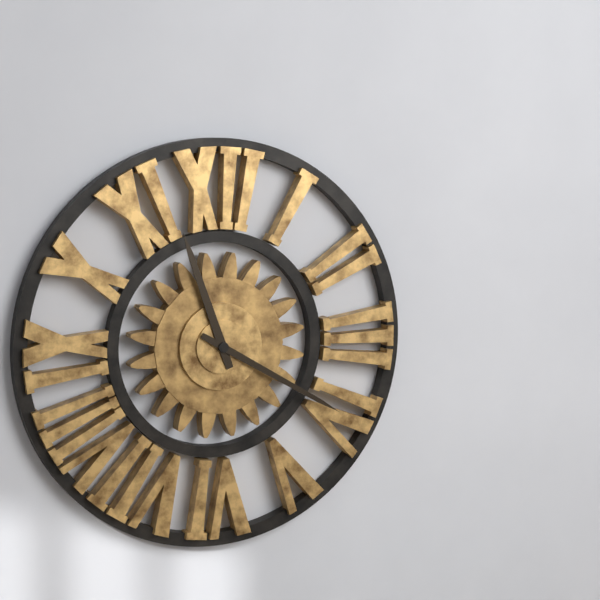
11:20
